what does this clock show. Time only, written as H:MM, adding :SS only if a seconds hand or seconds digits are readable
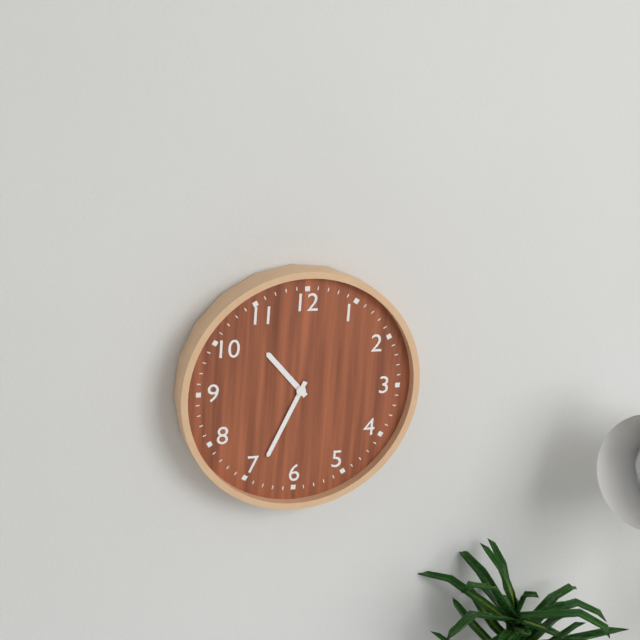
10:34
